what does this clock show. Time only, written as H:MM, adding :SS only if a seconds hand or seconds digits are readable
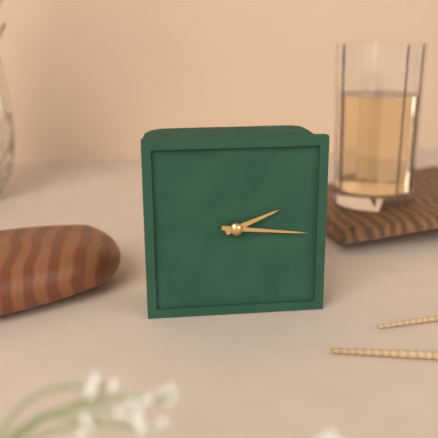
2:16
